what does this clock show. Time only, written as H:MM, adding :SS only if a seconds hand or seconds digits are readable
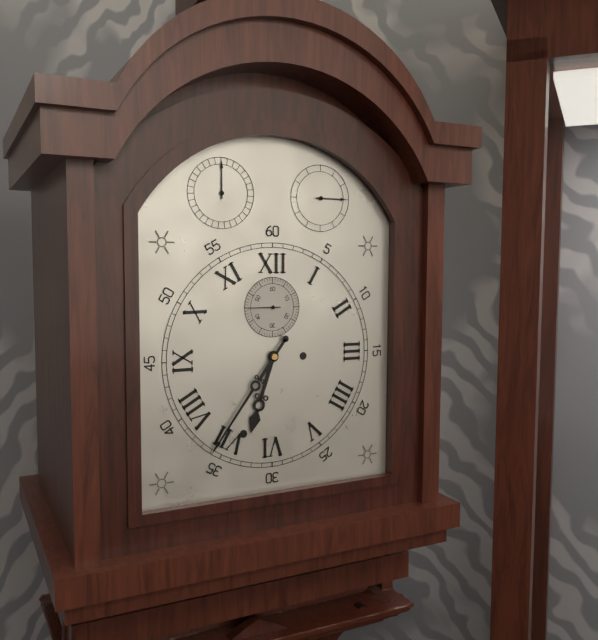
6:36
